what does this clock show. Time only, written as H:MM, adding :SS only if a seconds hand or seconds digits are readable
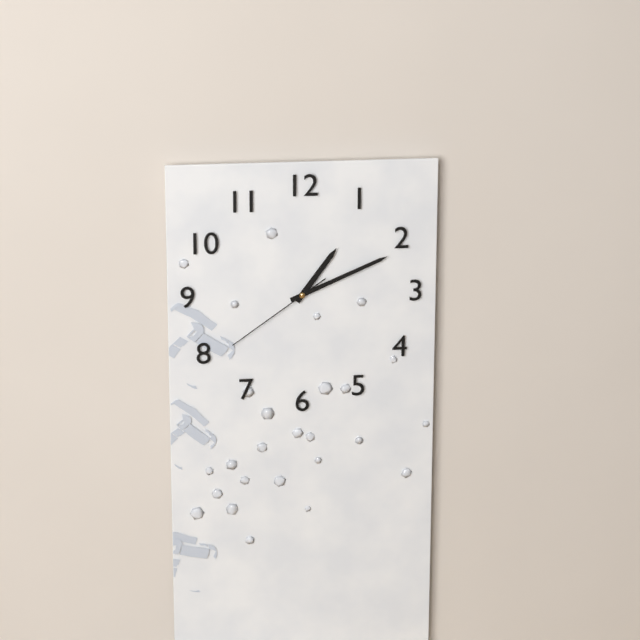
1:11:39
